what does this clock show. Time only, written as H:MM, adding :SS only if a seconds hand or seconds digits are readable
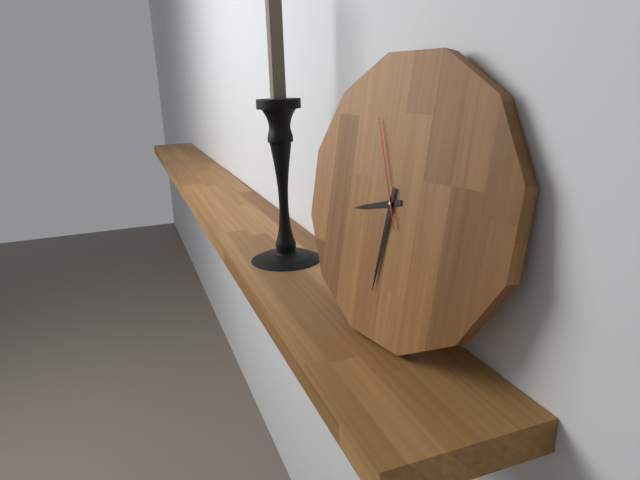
8:31:56
